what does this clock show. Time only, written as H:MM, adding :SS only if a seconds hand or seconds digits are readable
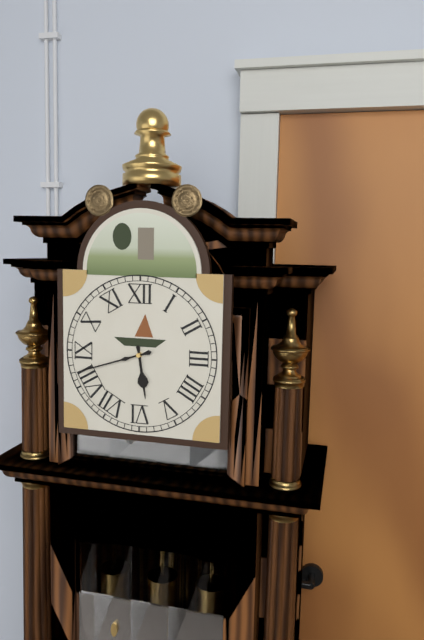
5:42
